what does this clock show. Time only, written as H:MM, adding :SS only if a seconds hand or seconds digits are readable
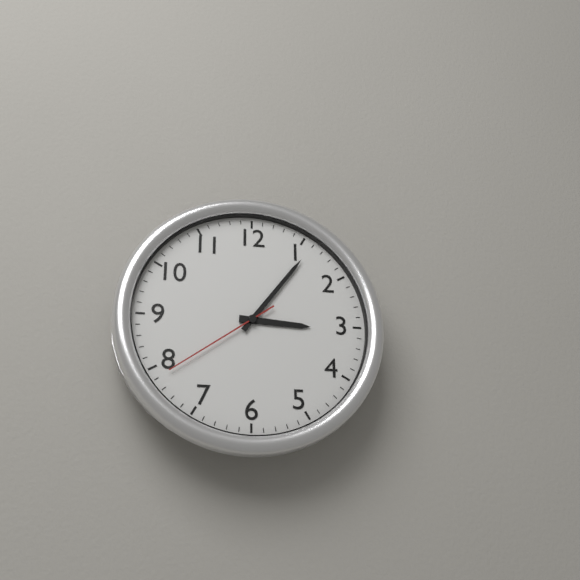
3:06:39
